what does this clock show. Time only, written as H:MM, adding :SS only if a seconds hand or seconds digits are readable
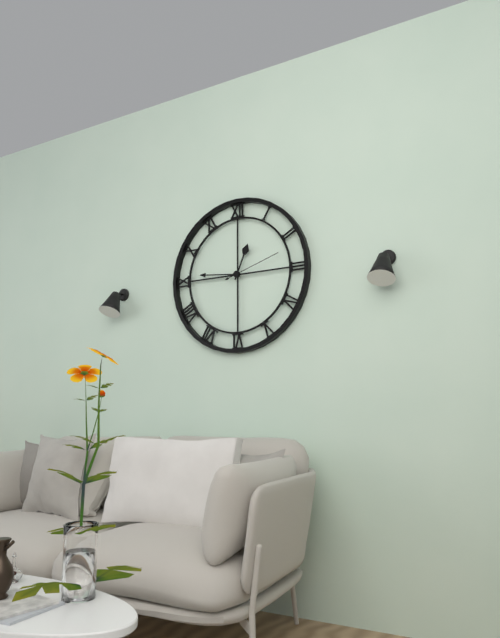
12:46:12
